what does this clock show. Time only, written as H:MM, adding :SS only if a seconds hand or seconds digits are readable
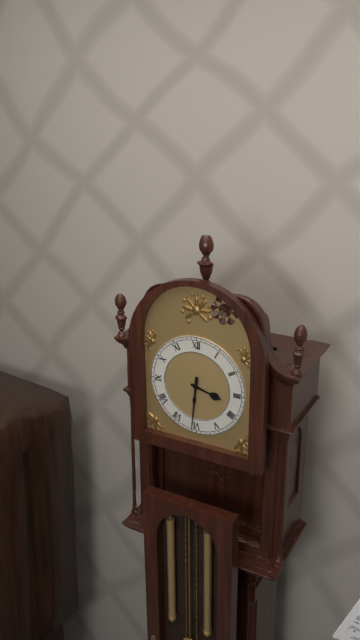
3:31
